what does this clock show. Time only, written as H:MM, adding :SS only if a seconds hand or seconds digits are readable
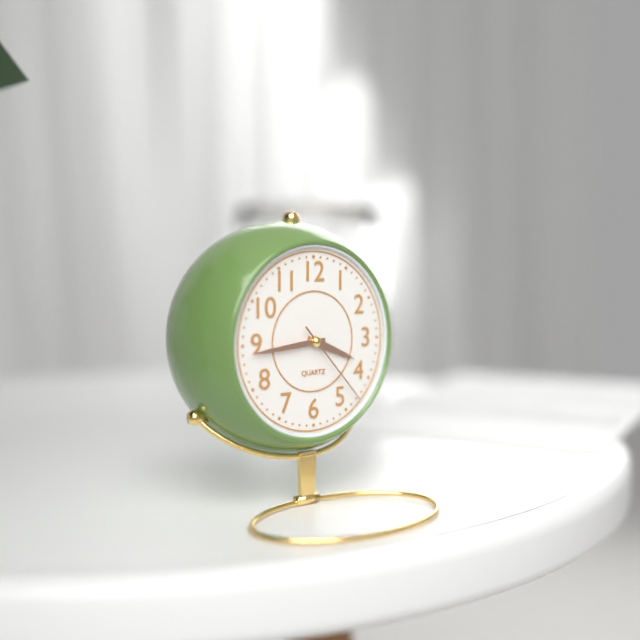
3:44:23
